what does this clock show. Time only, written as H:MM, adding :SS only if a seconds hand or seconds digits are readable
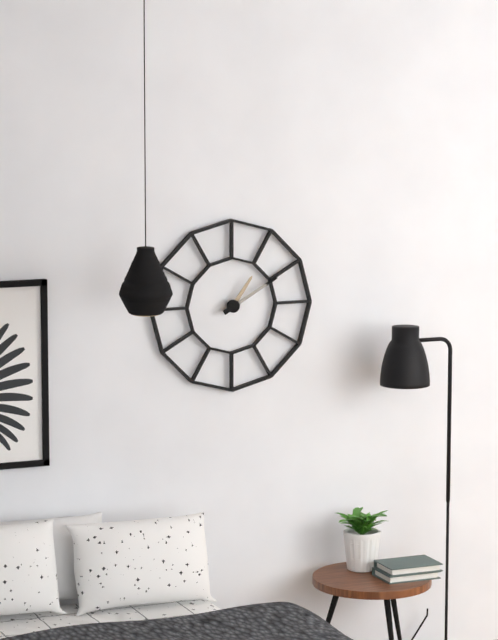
1:10
